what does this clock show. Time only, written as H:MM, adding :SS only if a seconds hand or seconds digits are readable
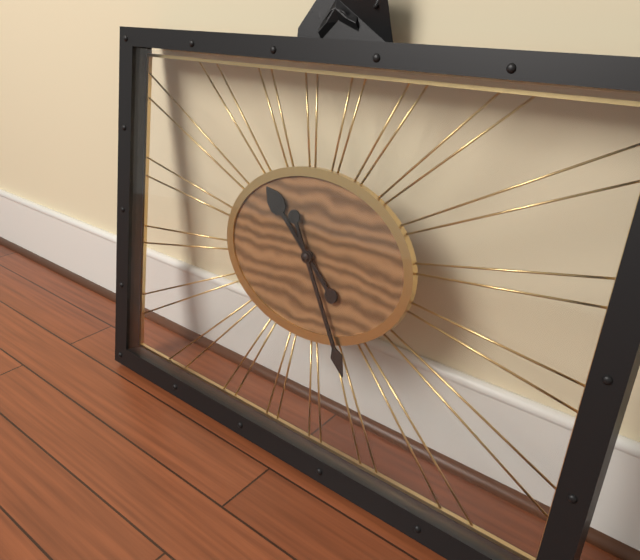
10:25
